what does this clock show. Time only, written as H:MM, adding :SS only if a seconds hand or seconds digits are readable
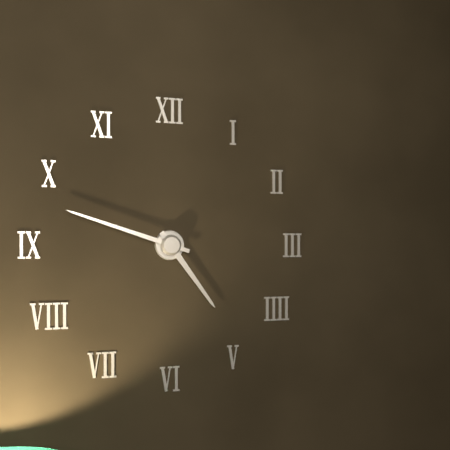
4:48
